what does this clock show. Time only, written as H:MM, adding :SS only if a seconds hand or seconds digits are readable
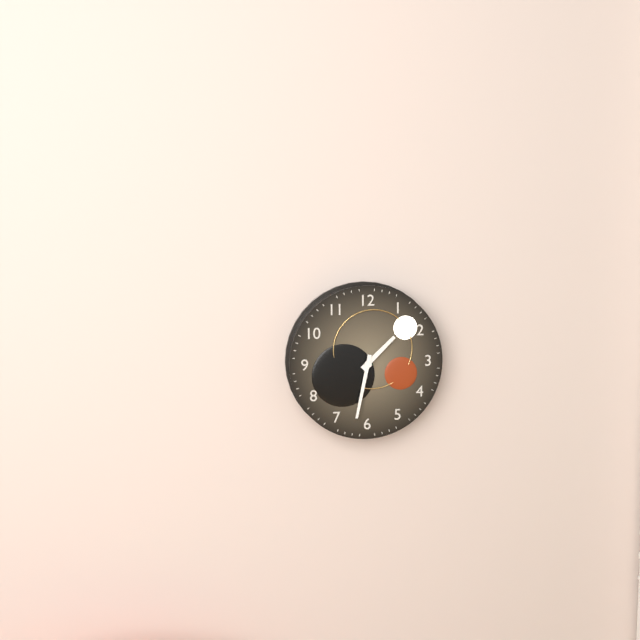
1:32
